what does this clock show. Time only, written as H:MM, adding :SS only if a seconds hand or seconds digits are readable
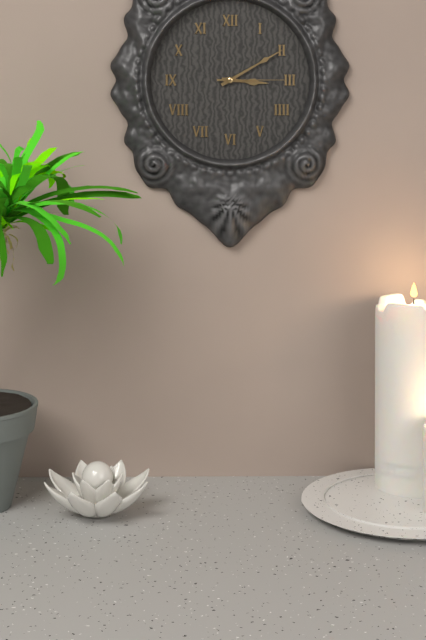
3:10:15
